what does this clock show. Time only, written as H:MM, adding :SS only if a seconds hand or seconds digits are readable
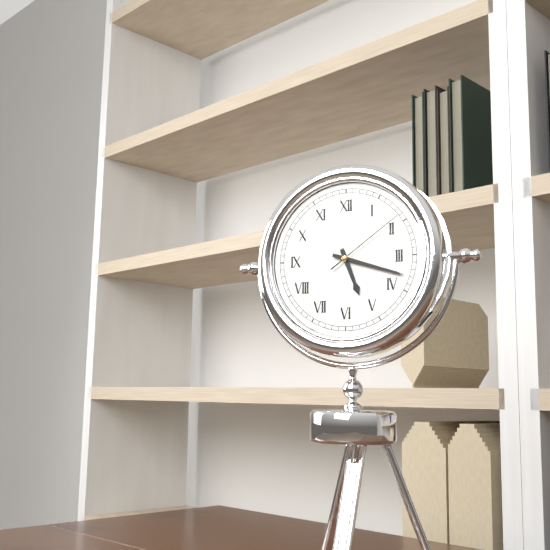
5:18:09
